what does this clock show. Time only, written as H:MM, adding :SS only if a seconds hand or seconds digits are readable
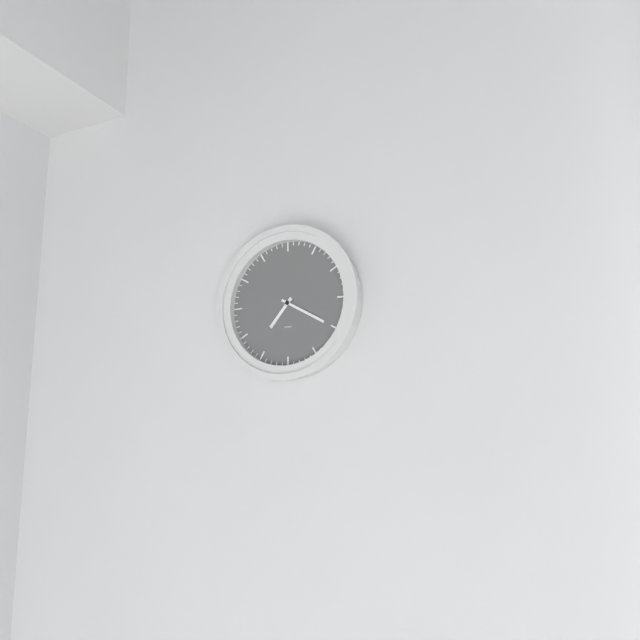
7:20
